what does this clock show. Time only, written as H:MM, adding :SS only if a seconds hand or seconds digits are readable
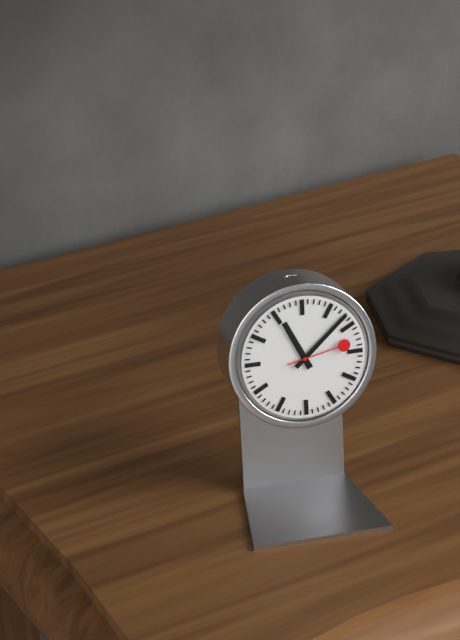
11:08:13
